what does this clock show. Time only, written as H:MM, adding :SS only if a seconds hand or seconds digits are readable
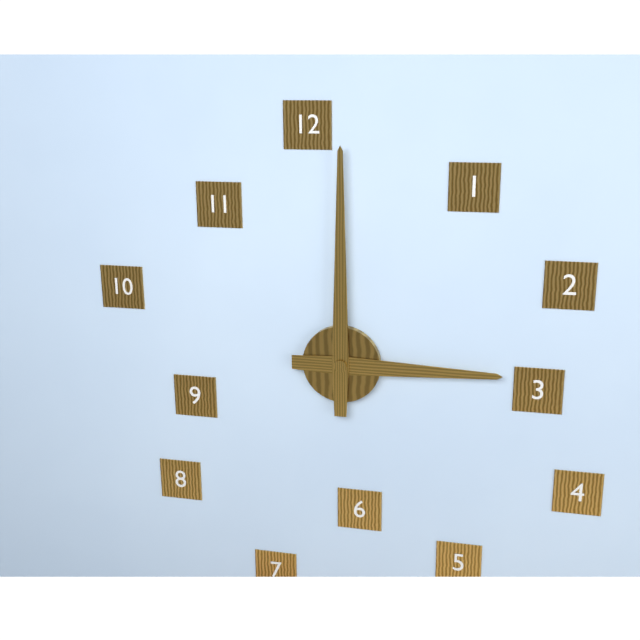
3:00
